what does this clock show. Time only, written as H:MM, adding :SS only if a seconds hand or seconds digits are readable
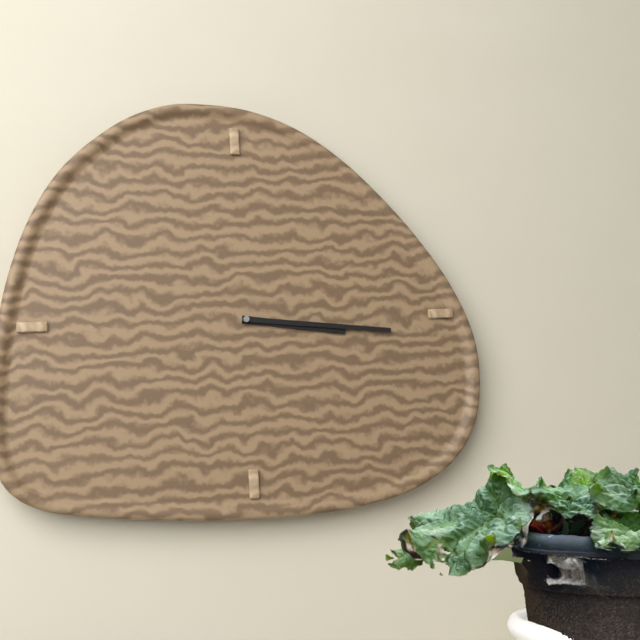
3:16
